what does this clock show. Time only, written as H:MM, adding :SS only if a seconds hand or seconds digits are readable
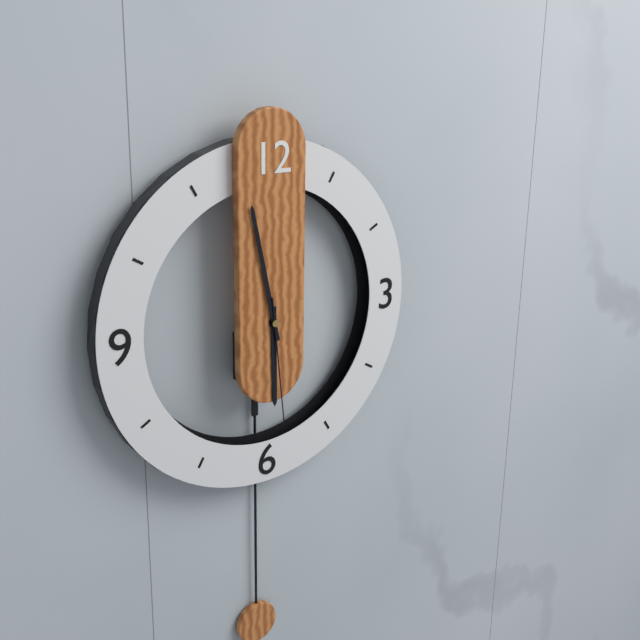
5:58:29
